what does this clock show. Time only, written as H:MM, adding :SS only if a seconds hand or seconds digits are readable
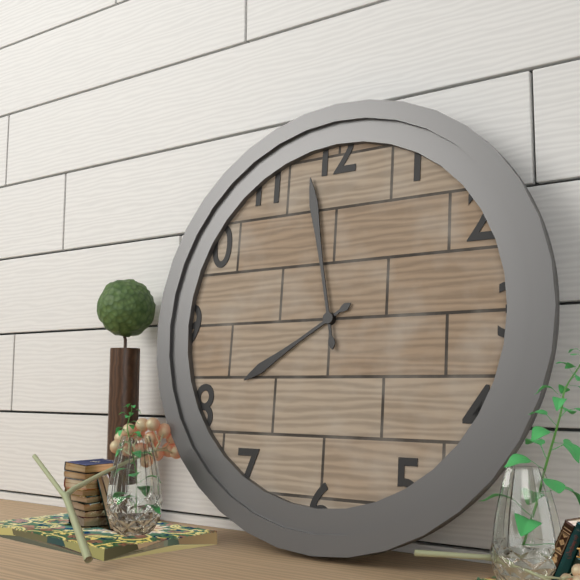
7:58
